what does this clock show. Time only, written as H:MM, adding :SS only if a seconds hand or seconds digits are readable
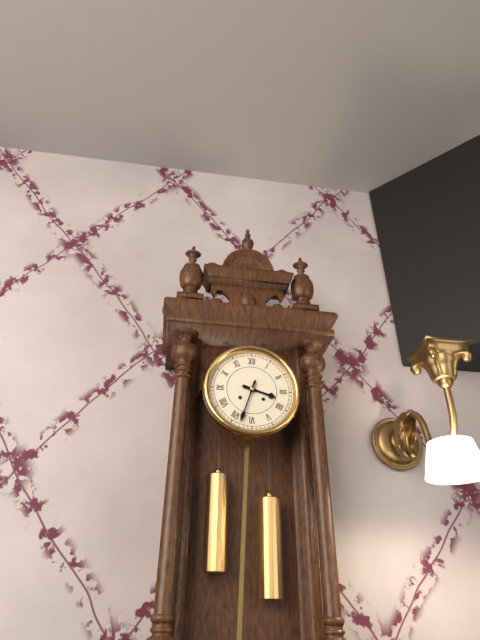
3:33
